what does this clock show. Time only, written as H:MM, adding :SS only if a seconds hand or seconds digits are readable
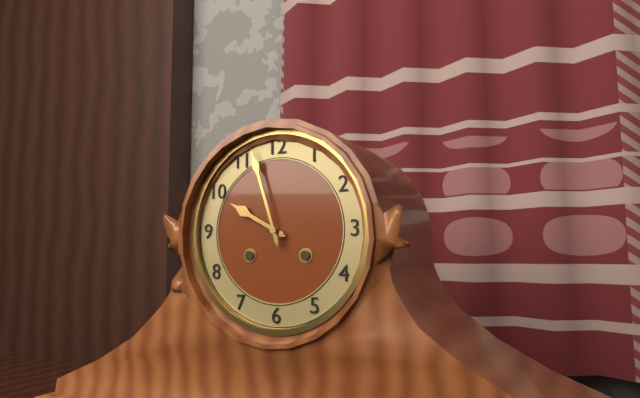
9:57
